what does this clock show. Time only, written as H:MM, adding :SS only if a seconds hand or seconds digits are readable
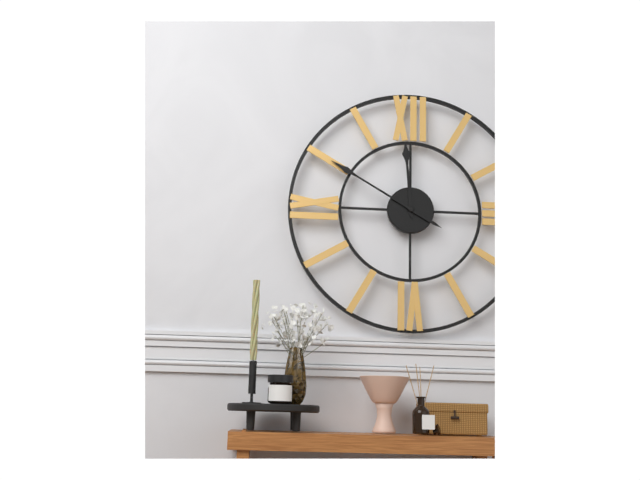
11:50
